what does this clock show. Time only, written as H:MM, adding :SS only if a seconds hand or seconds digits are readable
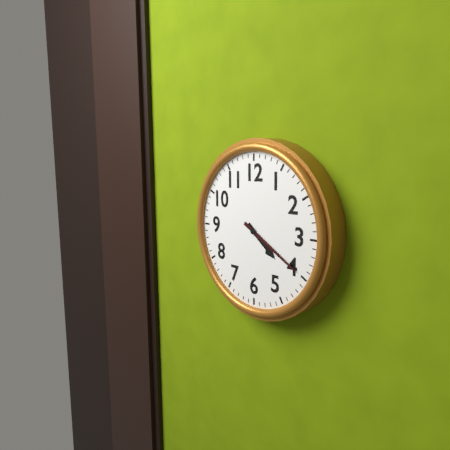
4:20
